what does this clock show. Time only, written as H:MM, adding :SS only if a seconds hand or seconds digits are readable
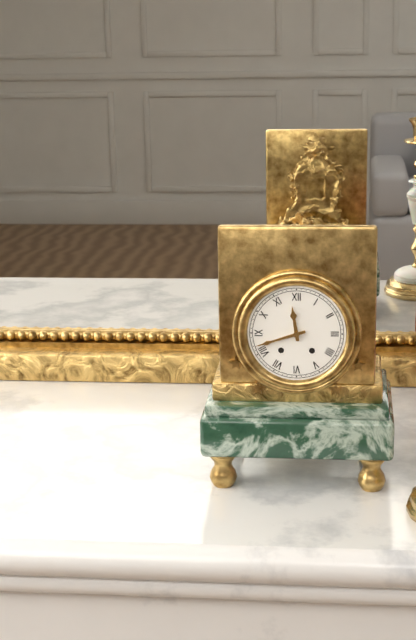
11:42
